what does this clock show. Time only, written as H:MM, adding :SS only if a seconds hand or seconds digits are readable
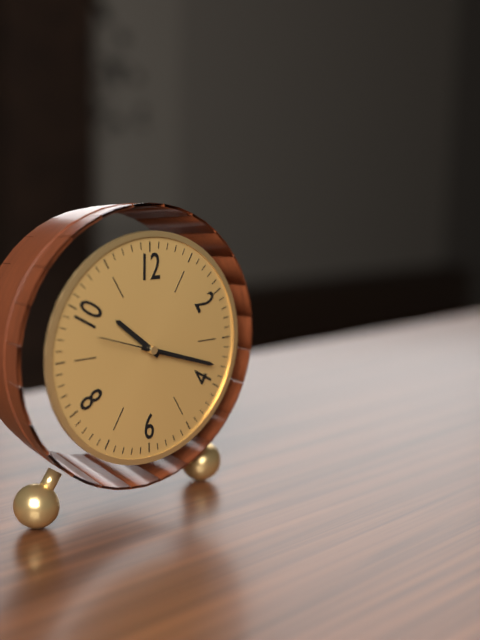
10:18:48
